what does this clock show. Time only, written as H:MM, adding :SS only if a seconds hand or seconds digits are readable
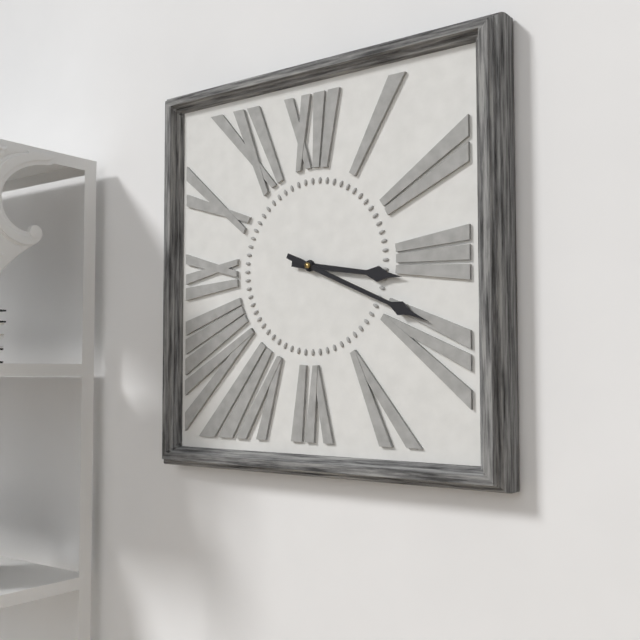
3:19
